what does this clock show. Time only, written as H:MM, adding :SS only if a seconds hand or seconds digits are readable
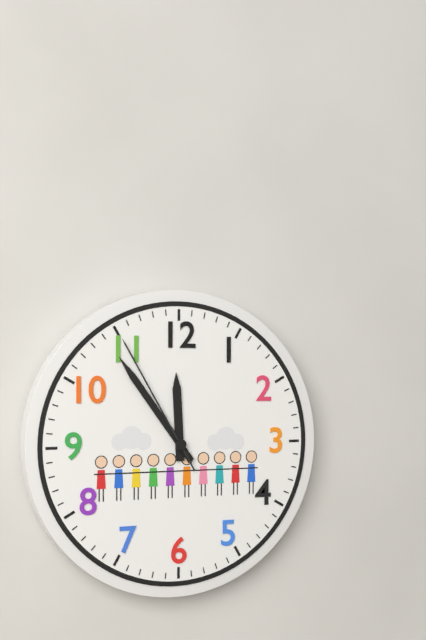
11:54:55
